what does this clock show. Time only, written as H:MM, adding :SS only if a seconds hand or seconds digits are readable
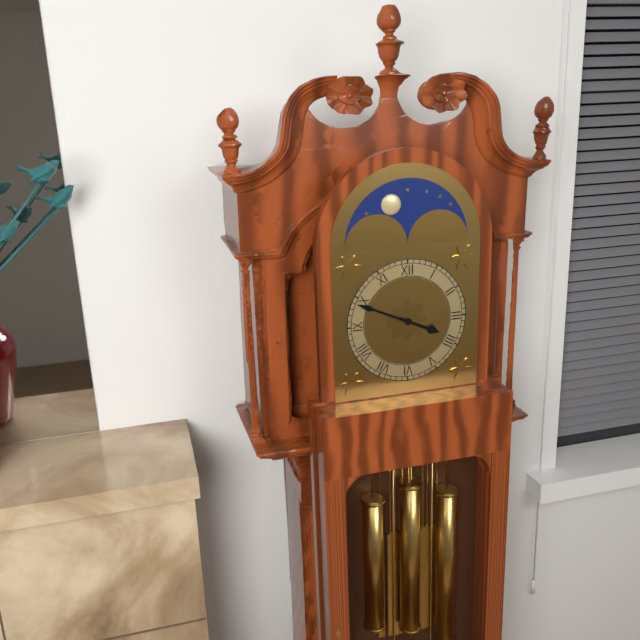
3:49
